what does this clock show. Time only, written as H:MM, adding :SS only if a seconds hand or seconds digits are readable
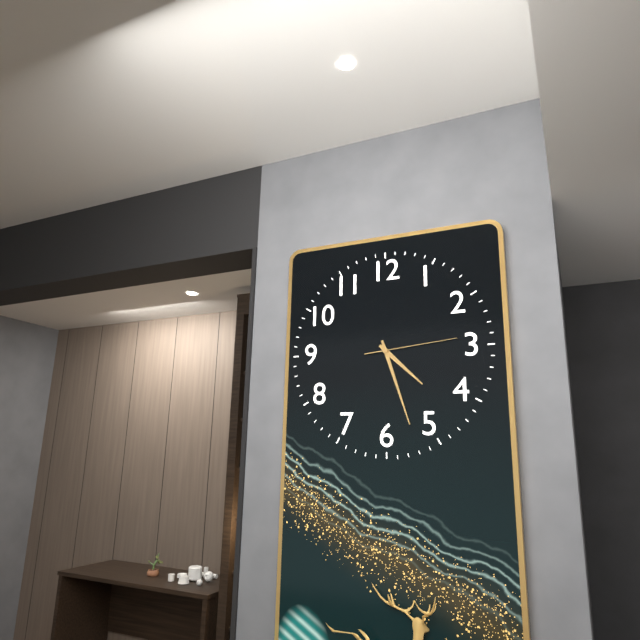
4:27:14
